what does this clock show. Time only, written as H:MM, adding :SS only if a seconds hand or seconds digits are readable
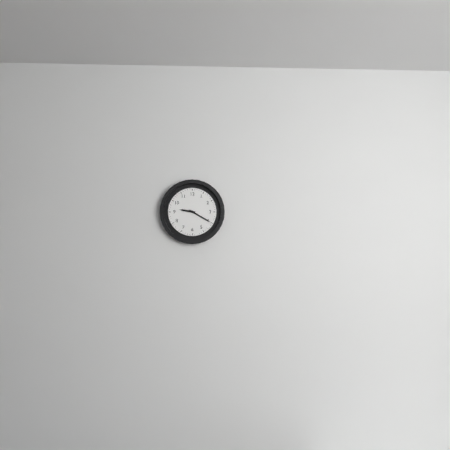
9:20
